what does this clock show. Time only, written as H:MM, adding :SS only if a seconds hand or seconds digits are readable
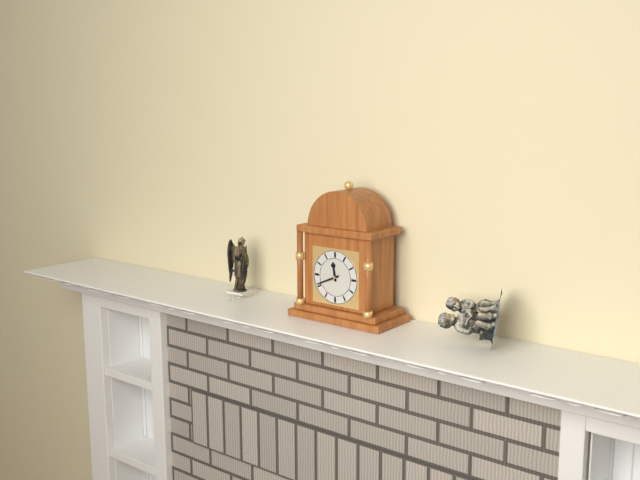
11:41
